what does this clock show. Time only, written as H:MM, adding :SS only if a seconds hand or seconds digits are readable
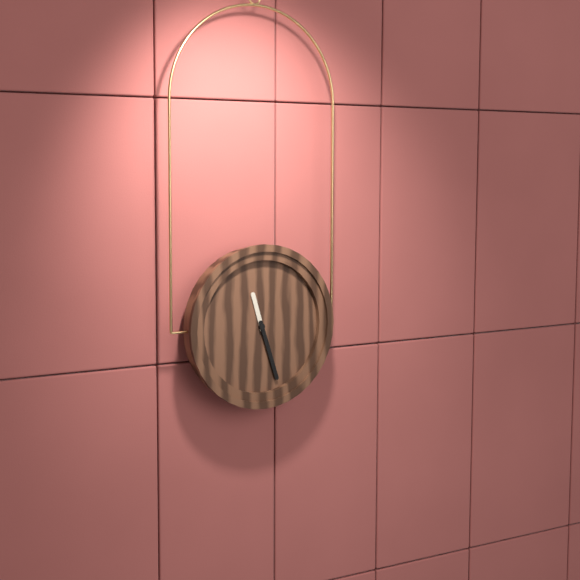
11:27
